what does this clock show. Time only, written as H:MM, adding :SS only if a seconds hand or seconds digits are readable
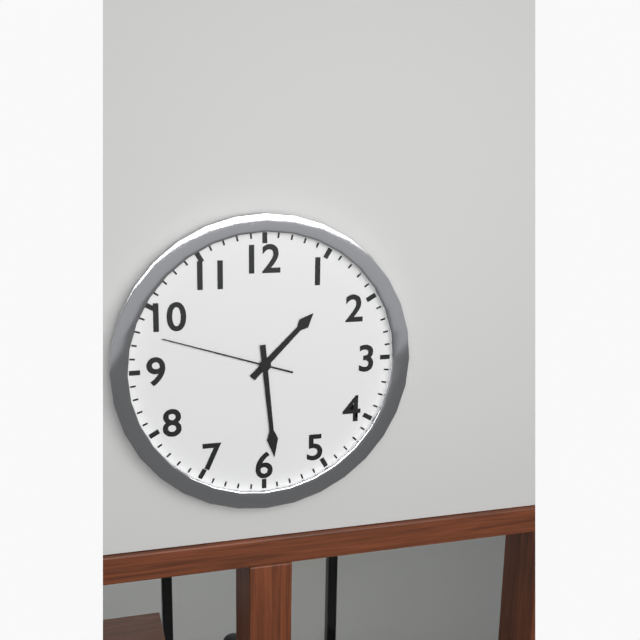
1:29:48
